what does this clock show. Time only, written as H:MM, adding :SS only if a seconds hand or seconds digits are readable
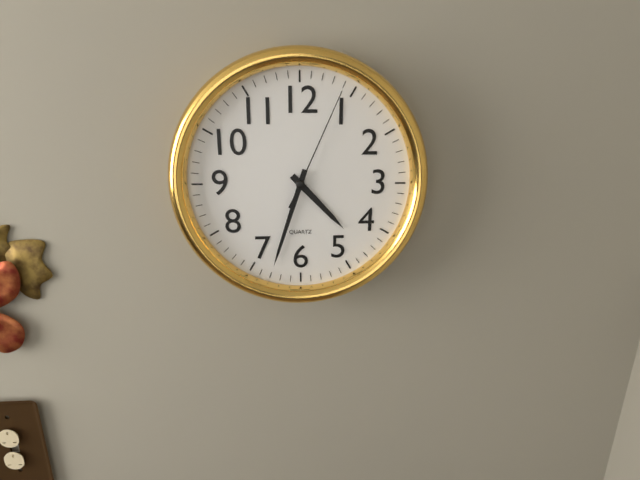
4:33:04
